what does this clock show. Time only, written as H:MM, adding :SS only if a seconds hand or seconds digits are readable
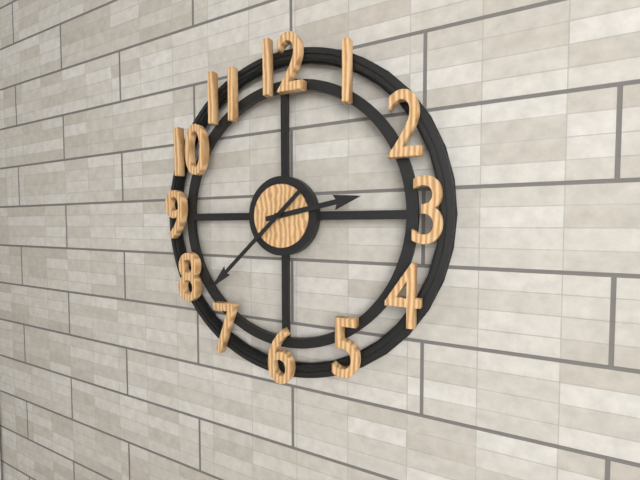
2:38
